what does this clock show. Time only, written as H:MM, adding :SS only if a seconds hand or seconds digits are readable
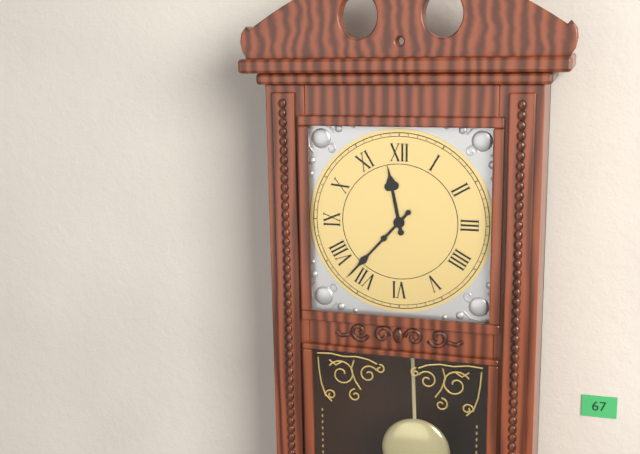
11:37
